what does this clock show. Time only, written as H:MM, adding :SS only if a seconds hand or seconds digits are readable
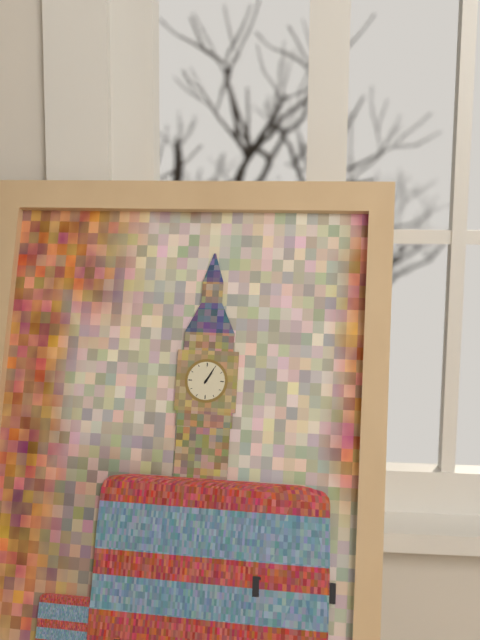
1:05
